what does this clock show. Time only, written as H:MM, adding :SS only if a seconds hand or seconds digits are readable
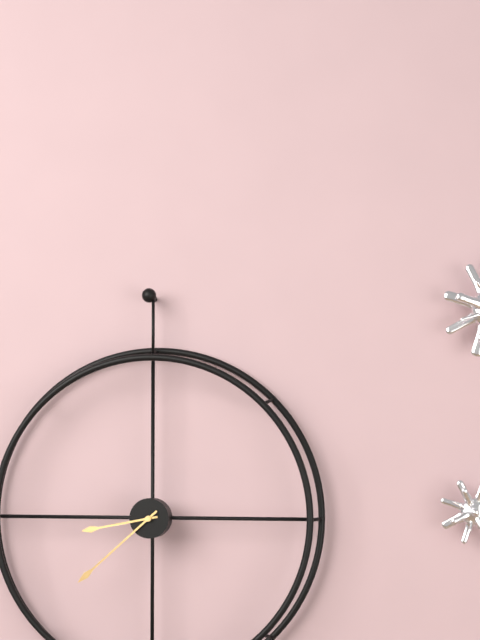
8:38
